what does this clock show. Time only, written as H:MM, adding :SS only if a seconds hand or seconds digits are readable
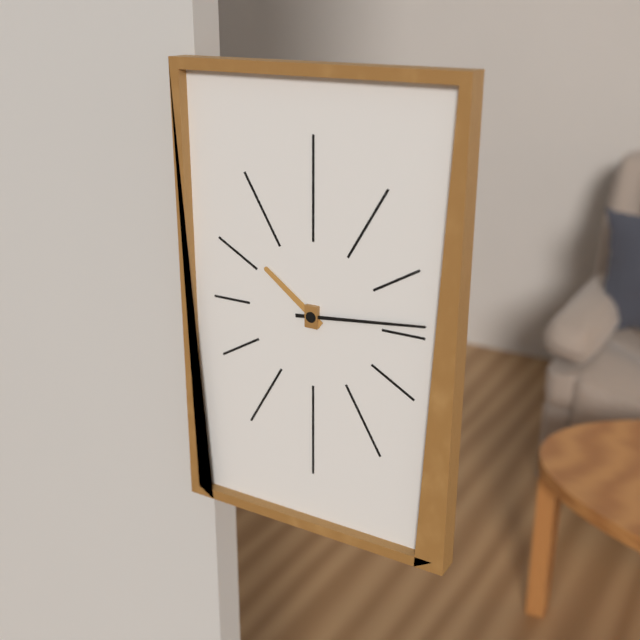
10:14
